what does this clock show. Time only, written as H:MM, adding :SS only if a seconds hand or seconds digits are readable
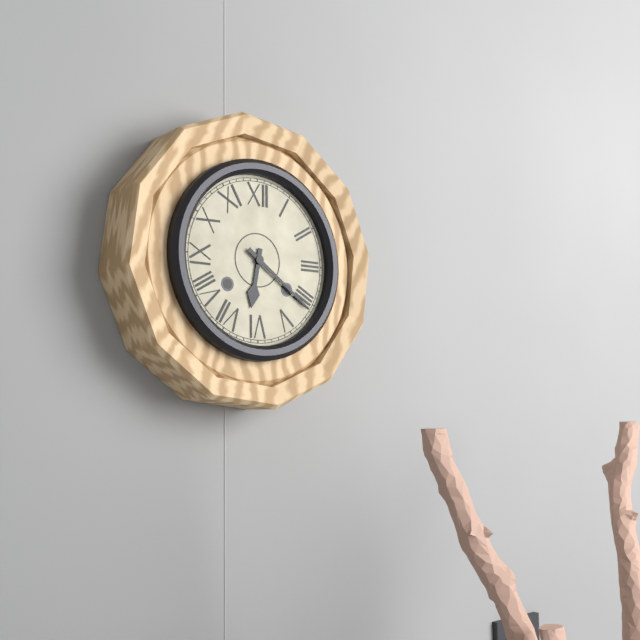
6:21
